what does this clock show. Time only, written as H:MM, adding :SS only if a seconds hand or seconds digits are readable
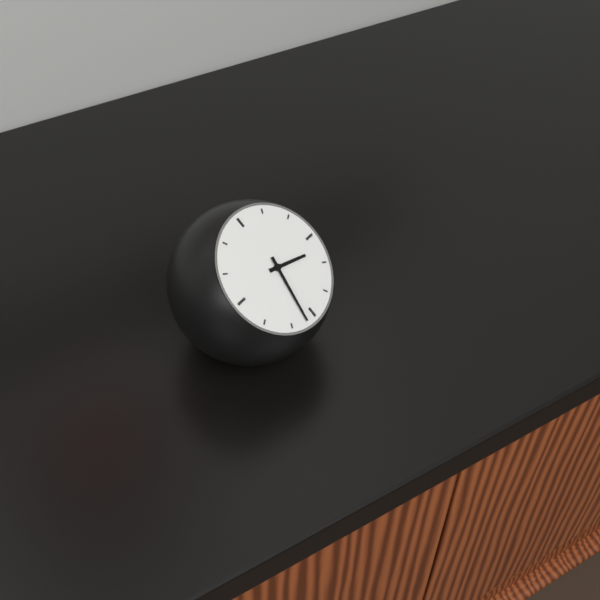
3:32
